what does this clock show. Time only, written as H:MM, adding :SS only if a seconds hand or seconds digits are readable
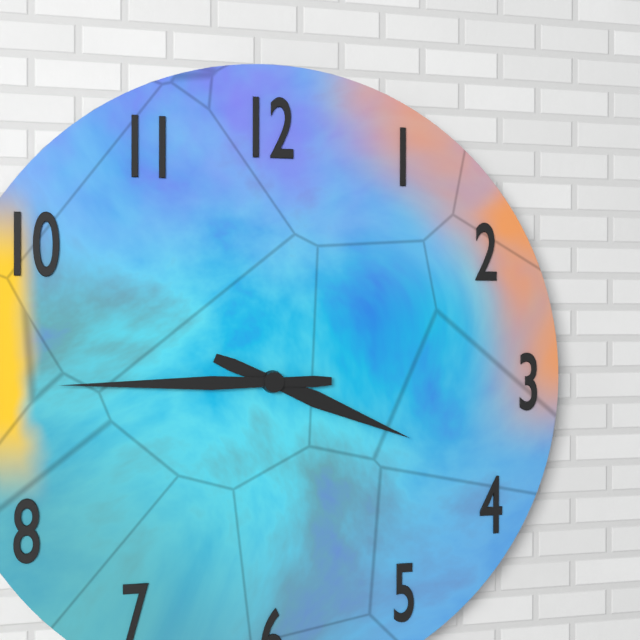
3:45
